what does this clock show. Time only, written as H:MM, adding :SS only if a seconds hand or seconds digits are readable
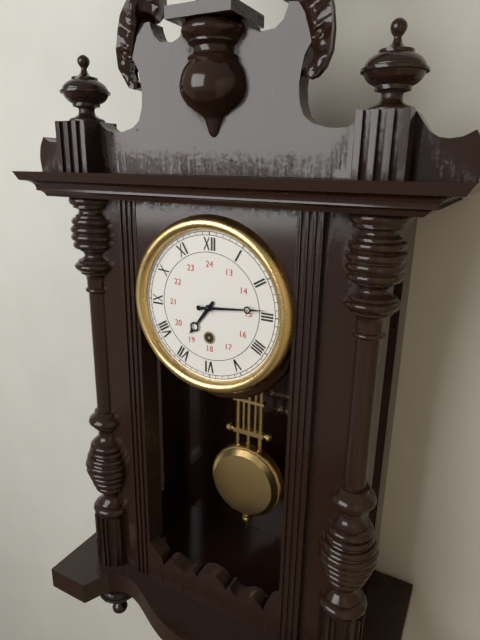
7:14
